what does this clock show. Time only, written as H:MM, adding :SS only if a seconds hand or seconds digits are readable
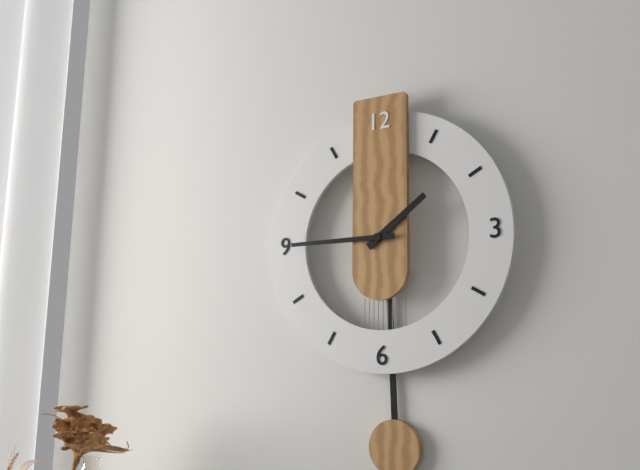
1:45
